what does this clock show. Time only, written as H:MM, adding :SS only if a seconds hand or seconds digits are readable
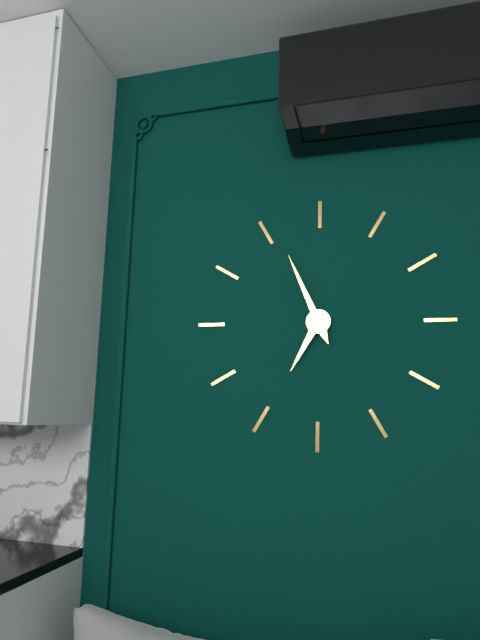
6:56
